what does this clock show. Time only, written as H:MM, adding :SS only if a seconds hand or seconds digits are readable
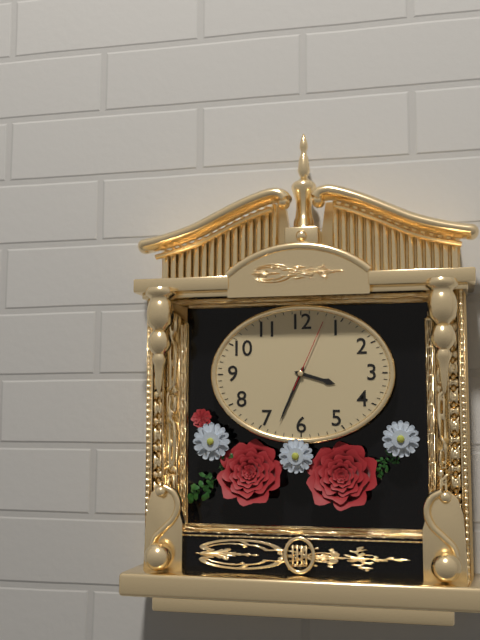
3:34:04
